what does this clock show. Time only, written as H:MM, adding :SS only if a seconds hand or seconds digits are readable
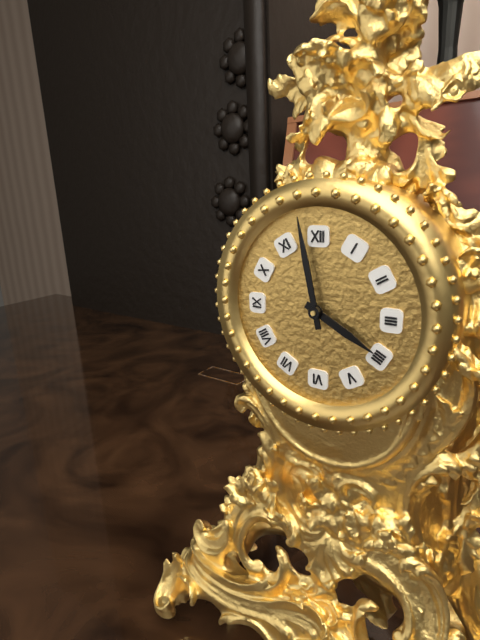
3:58
